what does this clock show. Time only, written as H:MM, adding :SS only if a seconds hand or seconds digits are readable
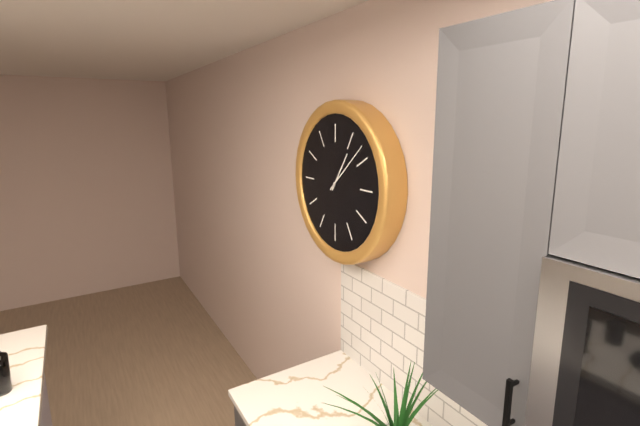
1:08
